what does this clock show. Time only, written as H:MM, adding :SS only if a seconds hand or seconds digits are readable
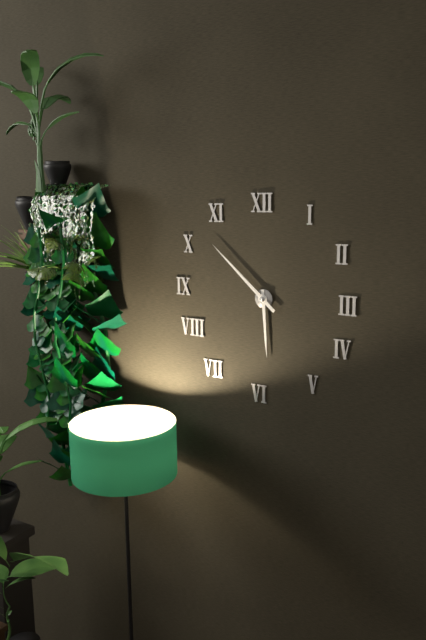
5:52
